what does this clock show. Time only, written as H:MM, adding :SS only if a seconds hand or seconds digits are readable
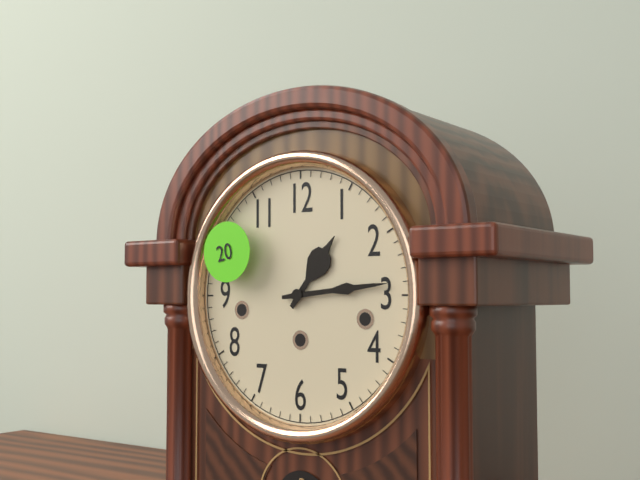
1:14
